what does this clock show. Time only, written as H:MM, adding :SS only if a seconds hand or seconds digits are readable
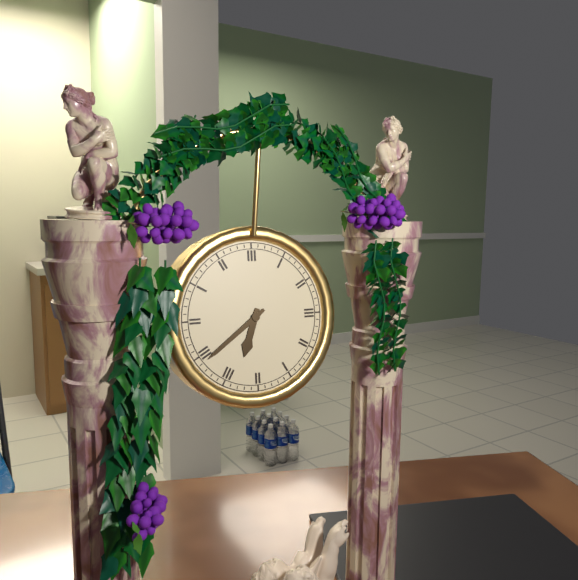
6:39
